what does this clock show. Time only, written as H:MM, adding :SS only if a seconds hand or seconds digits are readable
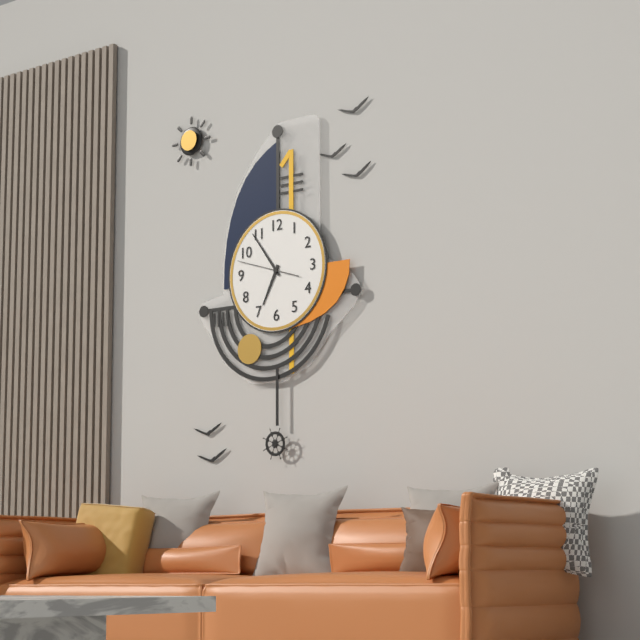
6:54
